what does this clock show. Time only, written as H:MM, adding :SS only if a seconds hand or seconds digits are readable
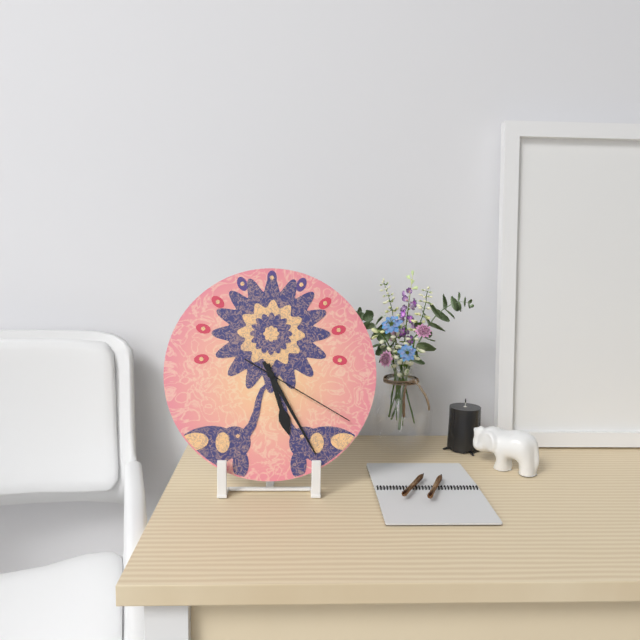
5:25:20
